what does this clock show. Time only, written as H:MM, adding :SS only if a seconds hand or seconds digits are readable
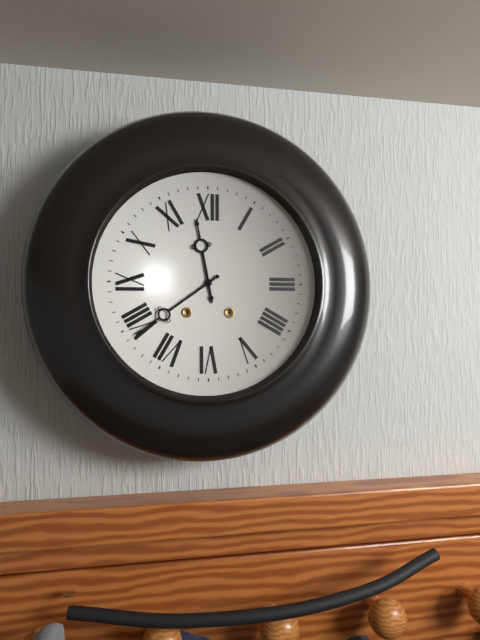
11:39
